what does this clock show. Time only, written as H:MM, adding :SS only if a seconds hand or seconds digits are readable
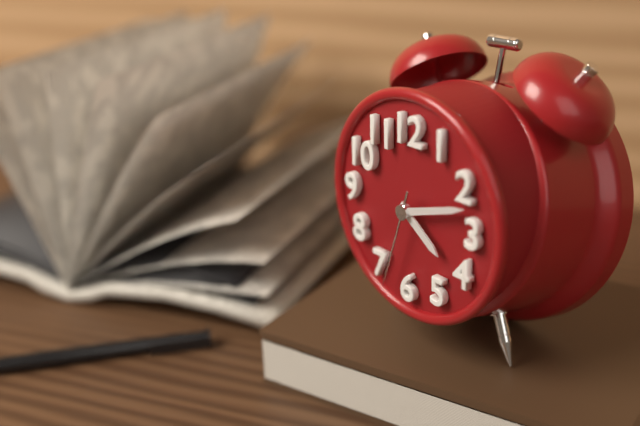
4:12:33
